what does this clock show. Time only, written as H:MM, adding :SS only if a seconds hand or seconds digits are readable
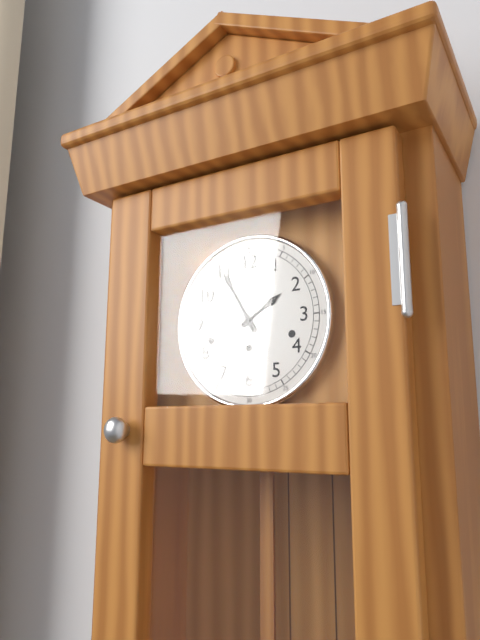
1:55
